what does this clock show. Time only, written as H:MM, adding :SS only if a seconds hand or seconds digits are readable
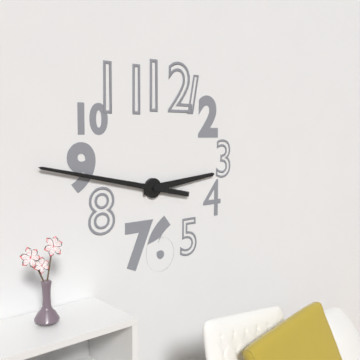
2:47
